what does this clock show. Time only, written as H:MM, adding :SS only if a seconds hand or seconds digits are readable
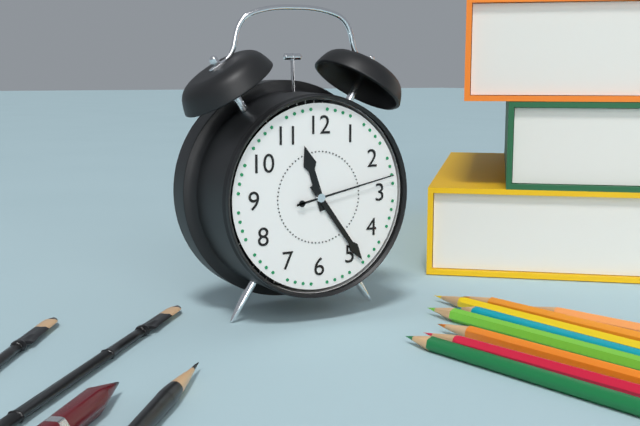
11:24:13
